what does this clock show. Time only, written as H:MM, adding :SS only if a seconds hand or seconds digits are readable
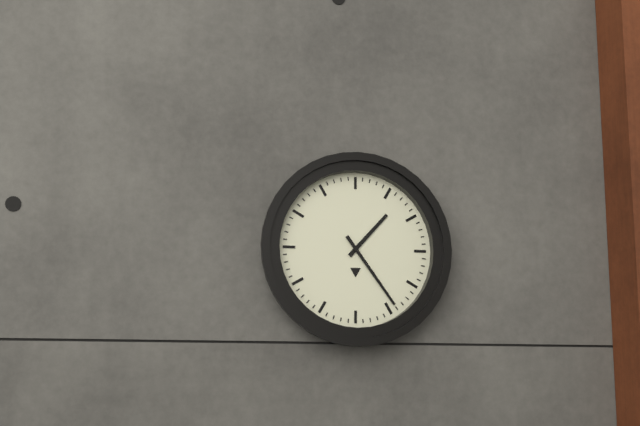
1:24
